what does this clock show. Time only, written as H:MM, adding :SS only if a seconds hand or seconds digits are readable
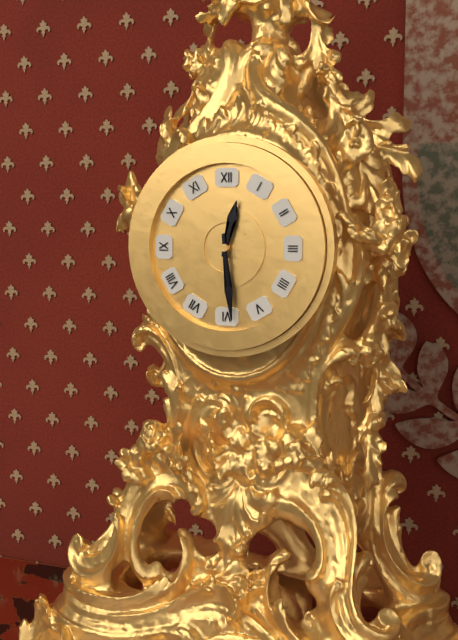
12:29
